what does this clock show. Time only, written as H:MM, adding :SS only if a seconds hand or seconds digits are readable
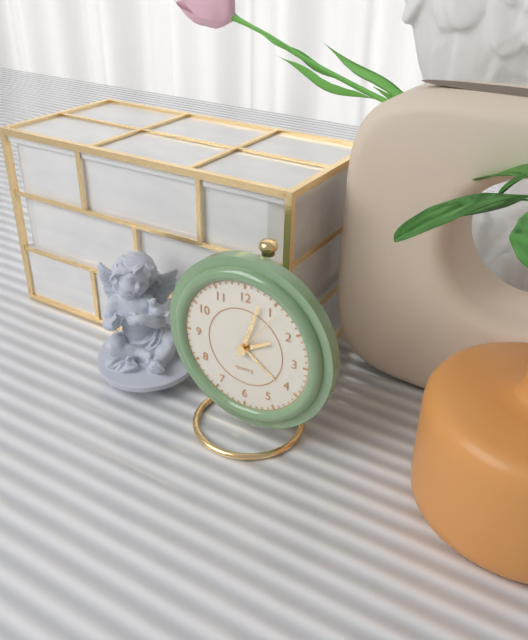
2:03:06
